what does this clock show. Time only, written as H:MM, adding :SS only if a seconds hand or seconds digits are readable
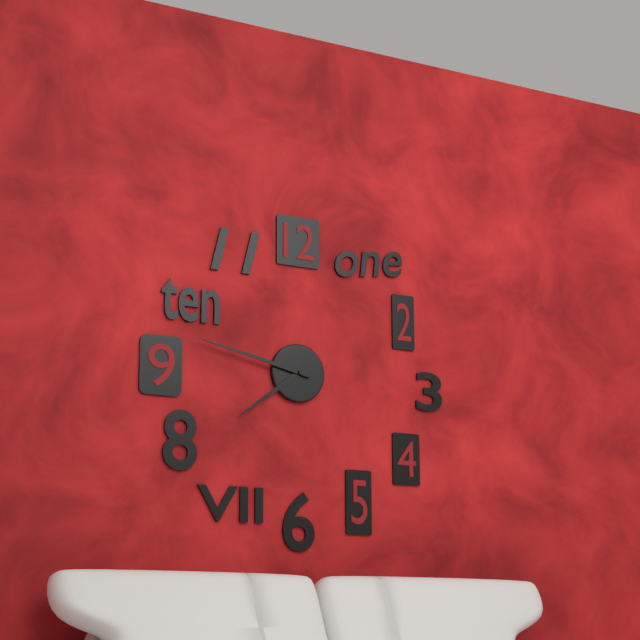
7:47
